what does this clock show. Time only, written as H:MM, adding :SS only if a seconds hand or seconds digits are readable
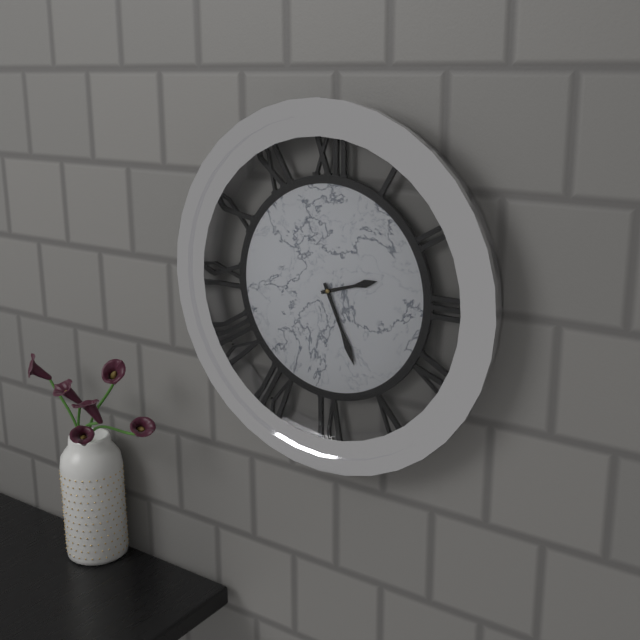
2:26
